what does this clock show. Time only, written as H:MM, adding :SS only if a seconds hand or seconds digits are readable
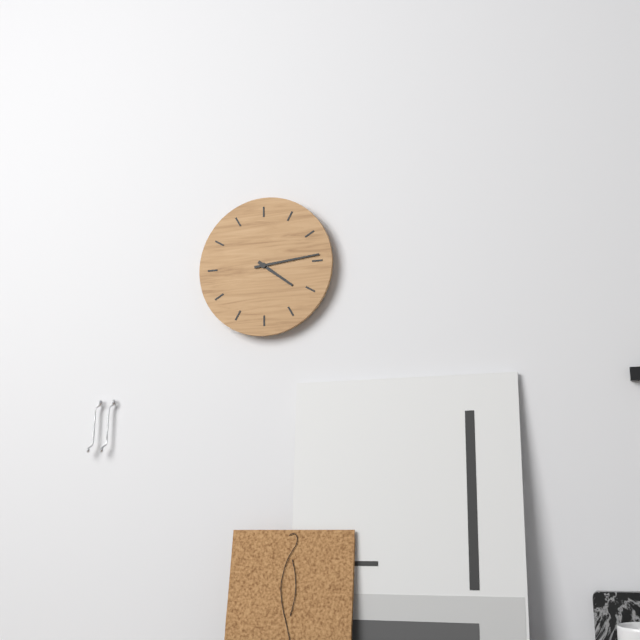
4:14
